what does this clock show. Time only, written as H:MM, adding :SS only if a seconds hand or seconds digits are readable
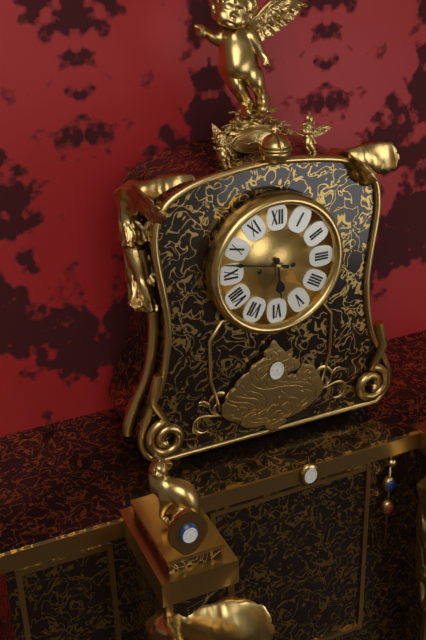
5:47
